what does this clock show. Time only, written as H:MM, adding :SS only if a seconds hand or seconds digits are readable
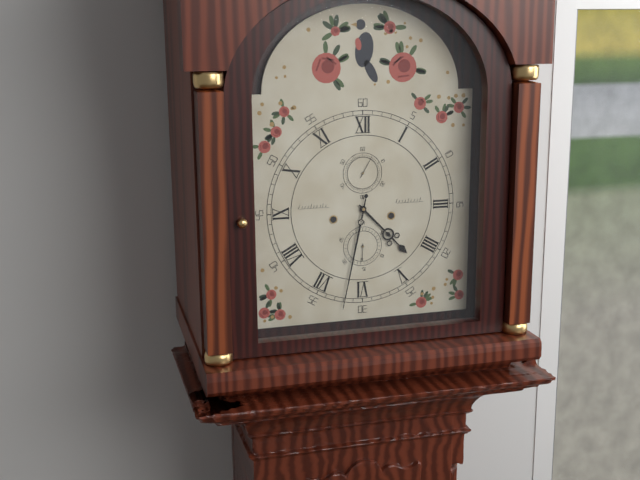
4:32
